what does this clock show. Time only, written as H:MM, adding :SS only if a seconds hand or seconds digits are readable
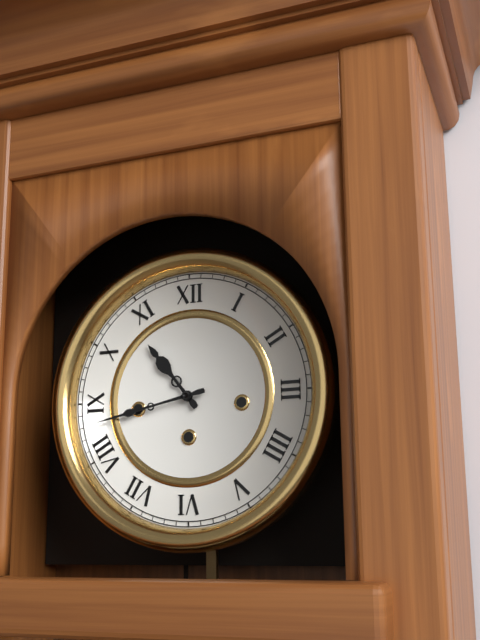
10:43
